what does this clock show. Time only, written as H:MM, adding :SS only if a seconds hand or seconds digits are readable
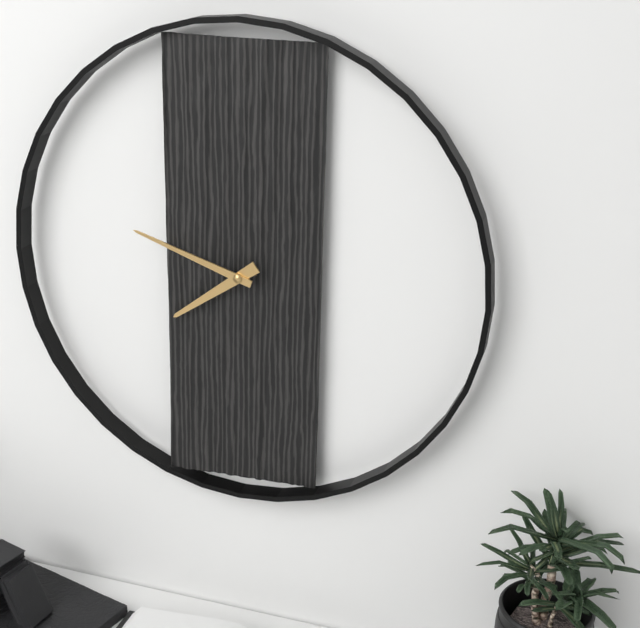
7:48
